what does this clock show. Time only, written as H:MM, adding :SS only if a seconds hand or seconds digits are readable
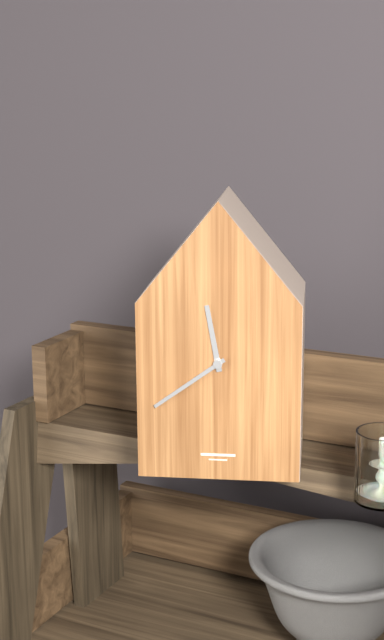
11:39
